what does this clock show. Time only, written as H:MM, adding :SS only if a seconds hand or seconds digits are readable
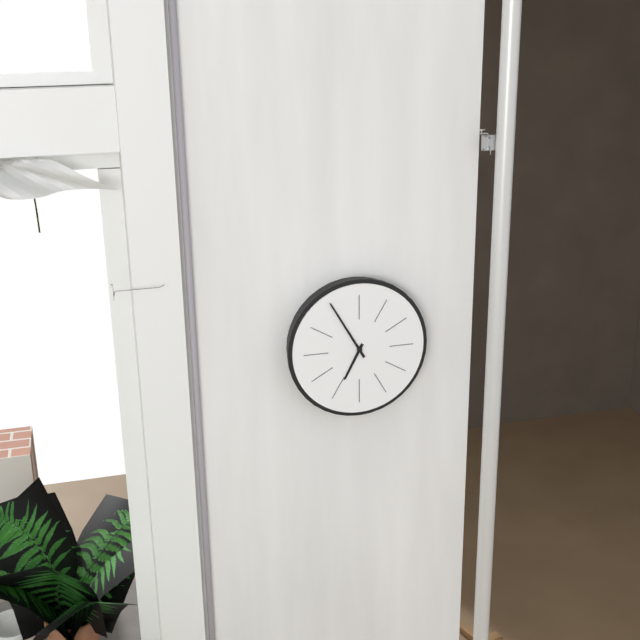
6:55
